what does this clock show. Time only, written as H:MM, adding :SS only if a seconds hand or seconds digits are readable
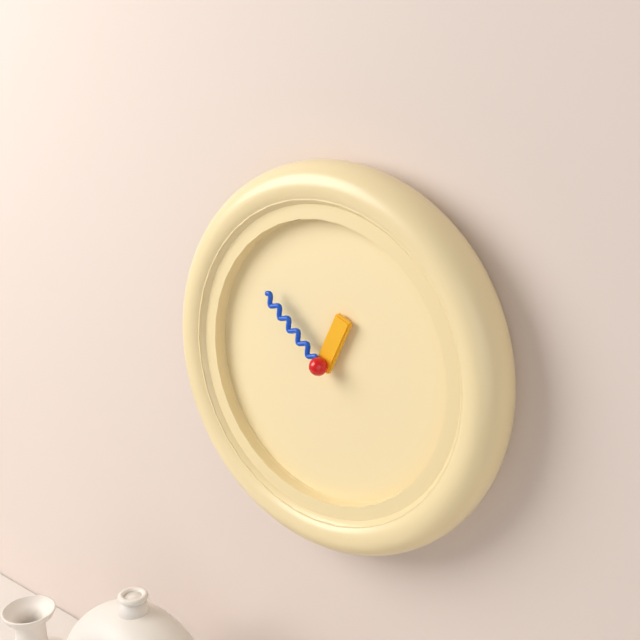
12:52
